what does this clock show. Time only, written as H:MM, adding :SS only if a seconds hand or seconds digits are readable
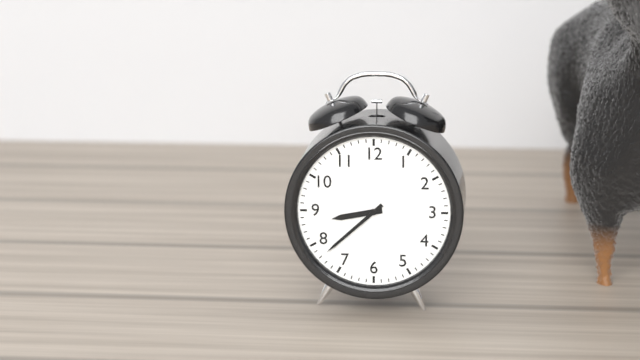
8:38
